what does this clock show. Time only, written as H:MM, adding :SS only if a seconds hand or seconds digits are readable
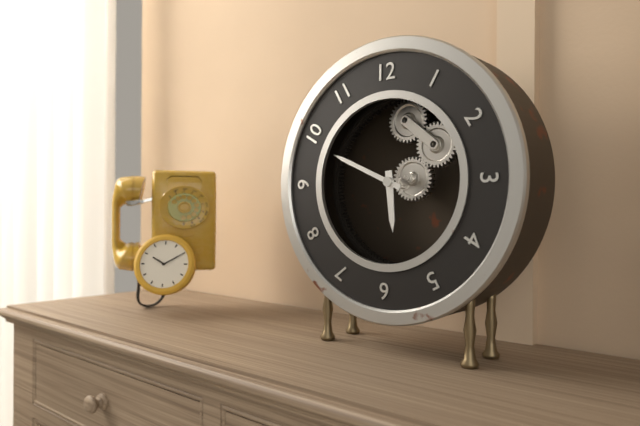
5:49
